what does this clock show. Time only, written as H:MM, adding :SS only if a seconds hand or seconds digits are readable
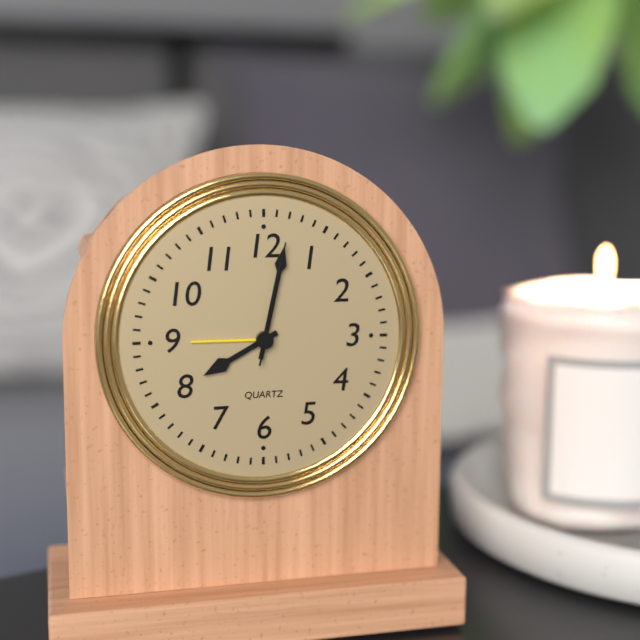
8:02:02
